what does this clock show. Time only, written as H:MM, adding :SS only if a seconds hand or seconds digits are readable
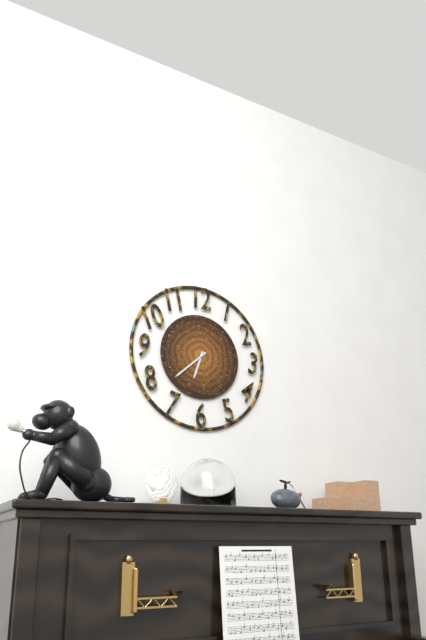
6:38
